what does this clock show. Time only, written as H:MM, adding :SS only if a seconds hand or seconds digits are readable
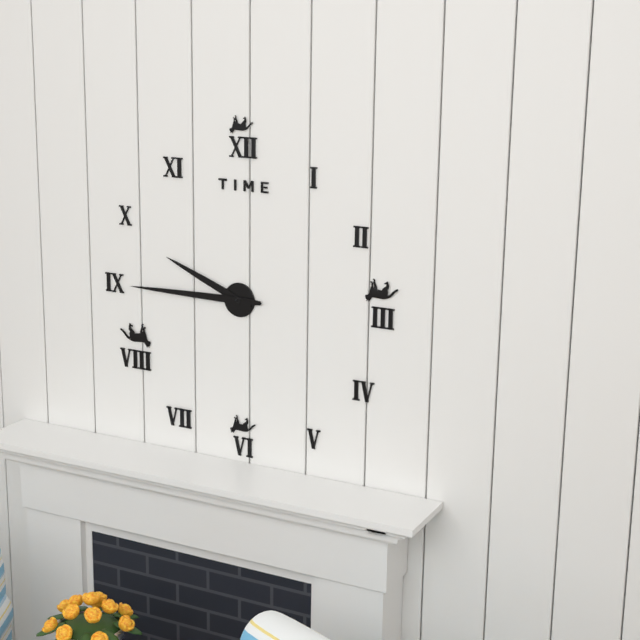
9:45
